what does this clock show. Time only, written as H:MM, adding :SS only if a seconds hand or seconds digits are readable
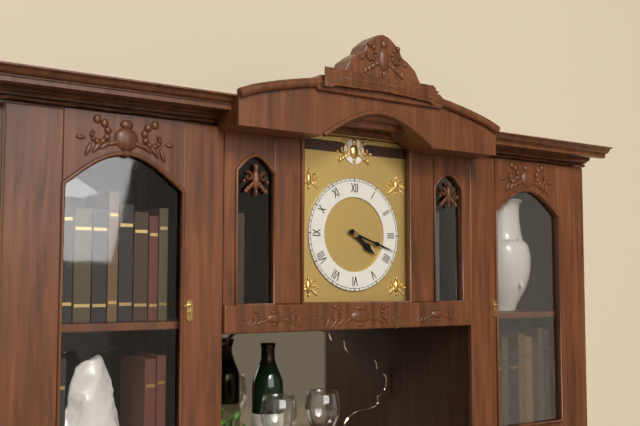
4:18
